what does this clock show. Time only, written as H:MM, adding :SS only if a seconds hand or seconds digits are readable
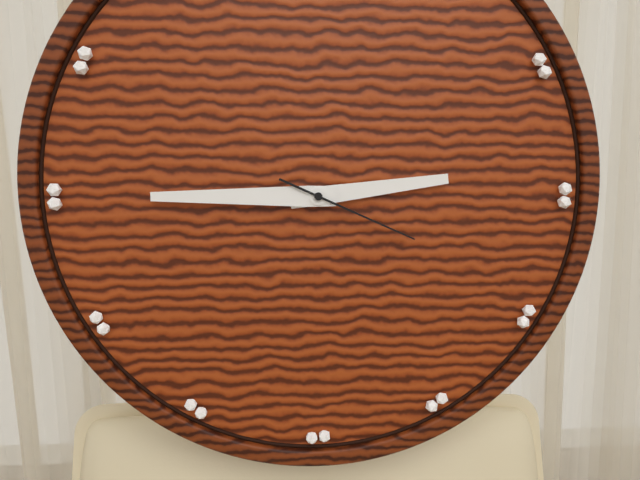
2:45:19
